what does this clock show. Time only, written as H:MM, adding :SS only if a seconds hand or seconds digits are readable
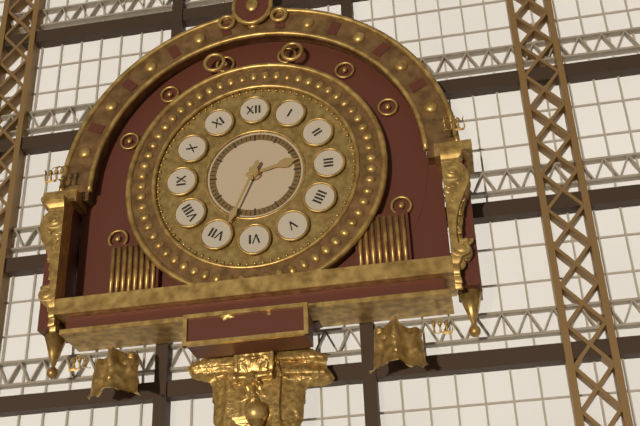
2:34
